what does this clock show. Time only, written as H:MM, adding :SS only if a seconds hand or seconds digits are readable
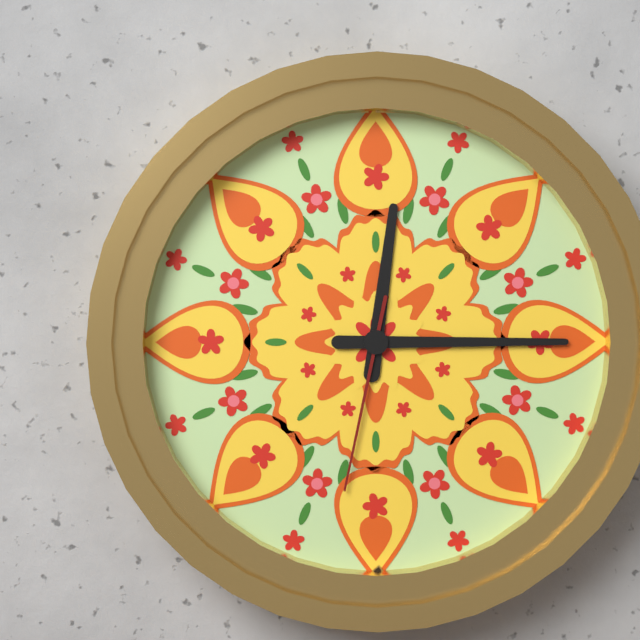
12:15:32
